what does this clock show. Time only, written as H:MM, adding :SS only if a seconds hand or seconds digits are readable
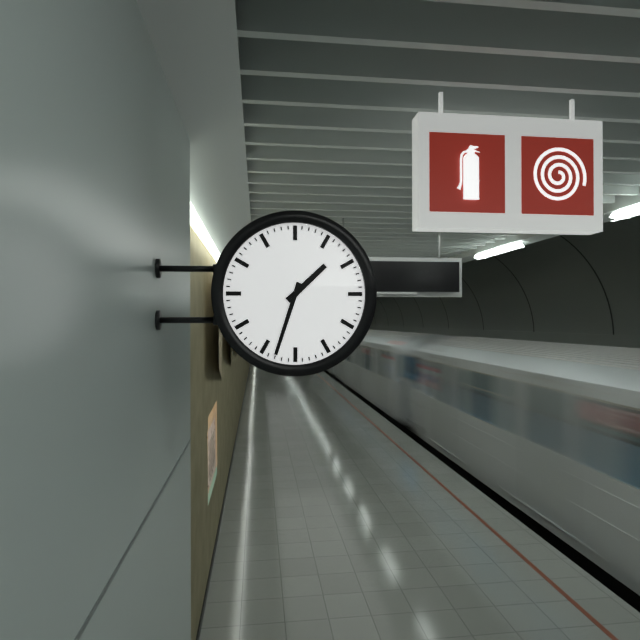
1:33
